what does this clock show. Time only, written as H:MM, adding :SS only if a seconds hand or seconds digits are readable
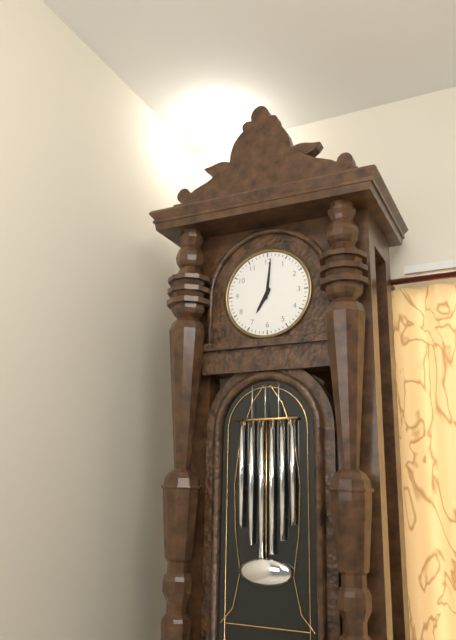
7:01
